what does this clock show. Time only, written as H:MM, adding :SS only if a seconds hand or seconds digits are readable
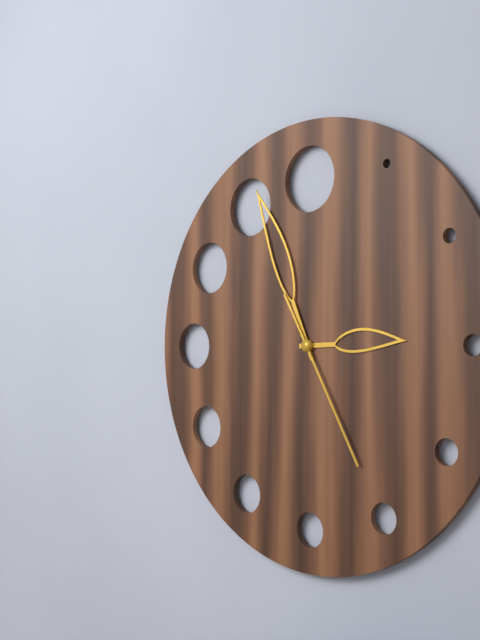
2:56:25
